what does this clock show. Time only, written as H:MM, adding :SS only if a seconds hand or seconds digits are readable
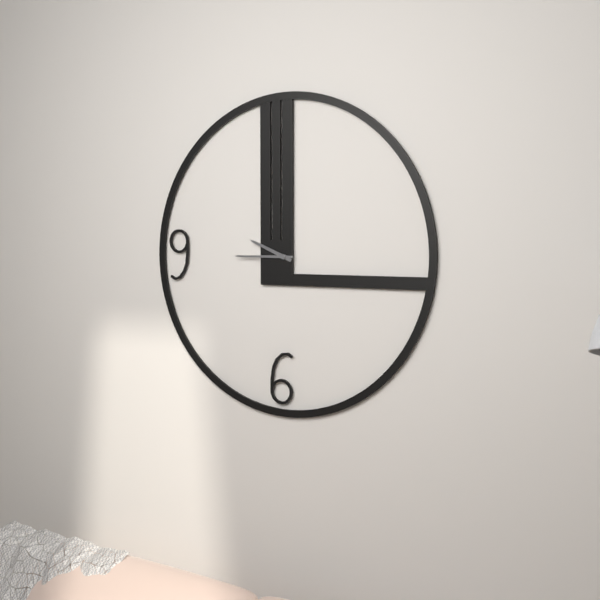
9:45
